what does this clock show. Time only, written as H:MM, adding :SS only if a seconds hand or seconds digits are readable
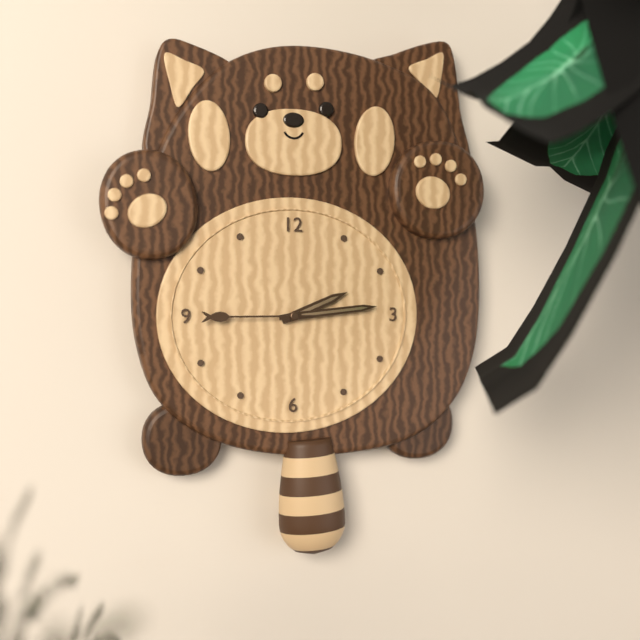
2:14:45
